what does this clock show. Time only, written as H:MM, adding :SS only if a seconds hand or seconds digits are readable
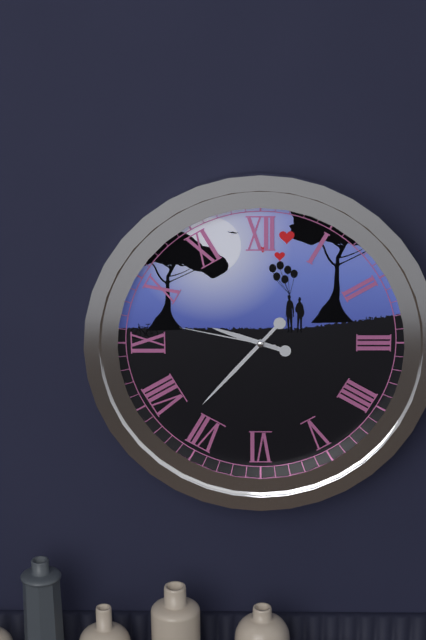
9:37:47
